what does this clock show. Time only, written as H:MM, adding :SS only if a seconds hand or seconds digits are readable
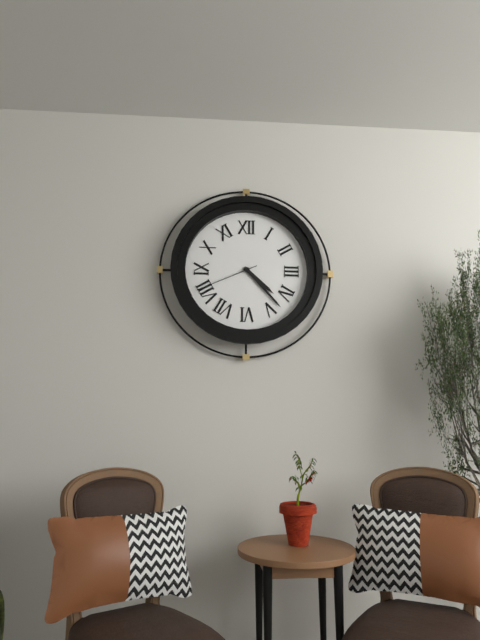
4:23:41
